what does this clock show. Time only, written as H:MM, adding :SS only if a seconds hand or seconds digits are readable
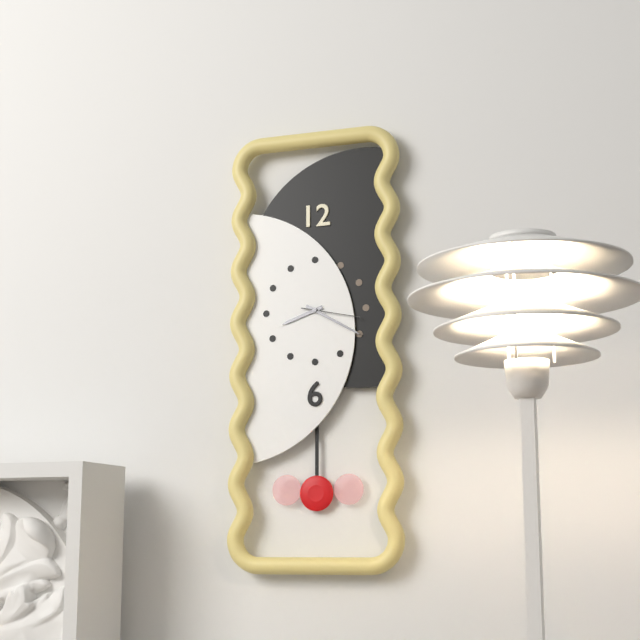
8:20:17
